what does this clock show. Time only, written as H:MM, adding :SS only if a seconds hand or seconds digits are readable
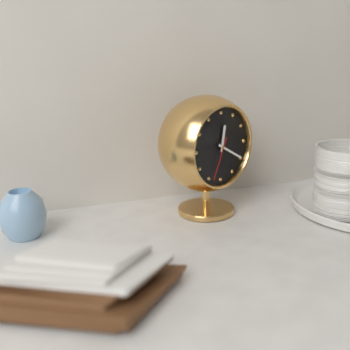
12:20
